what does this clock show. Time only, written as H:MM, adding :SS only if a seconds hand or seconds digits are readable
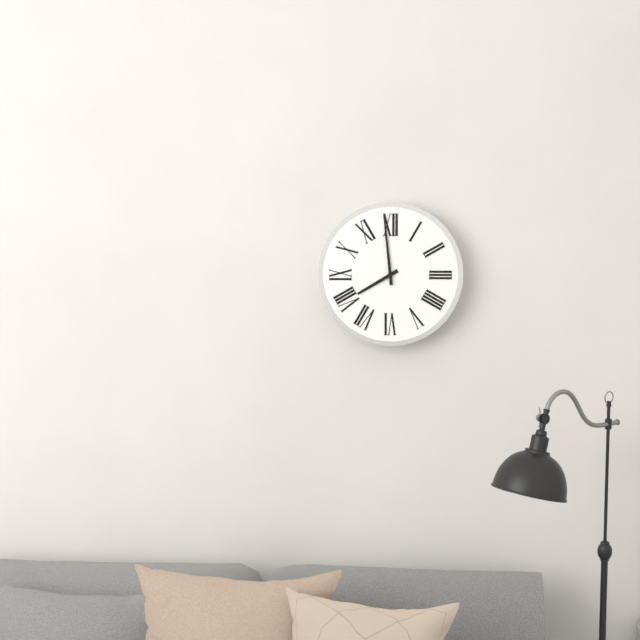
7:59
